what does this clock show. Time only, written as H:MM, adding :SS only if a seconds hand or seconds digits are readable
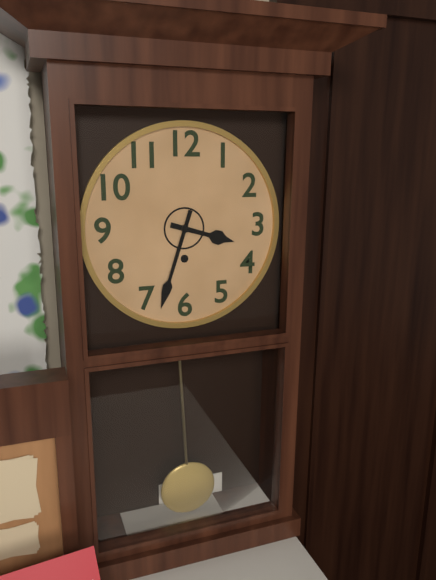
3:33
